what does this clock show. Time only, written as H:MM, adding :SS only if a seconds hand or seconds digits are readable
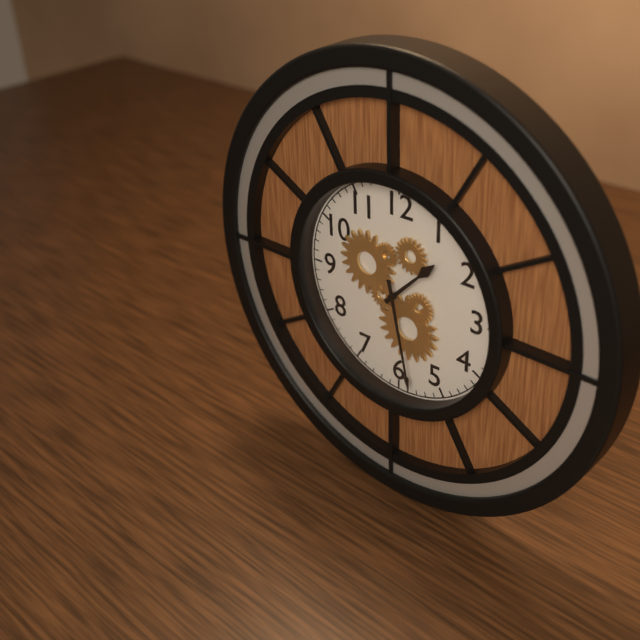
1:28
